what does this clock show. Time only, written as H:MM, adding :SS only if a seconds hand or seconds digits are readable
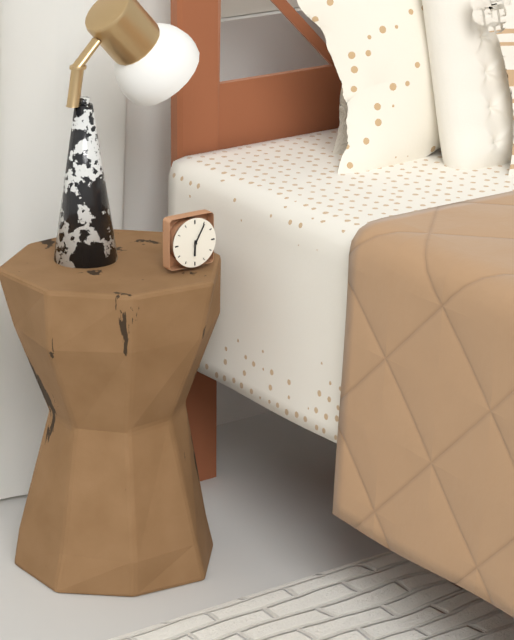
6:05
